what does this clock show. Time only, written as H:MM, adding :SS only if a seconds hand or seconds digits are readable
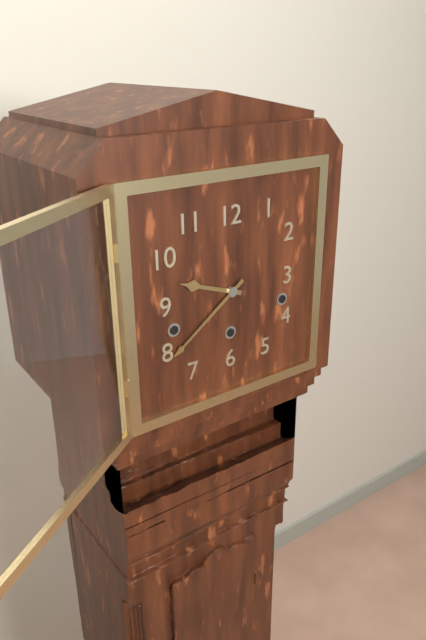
9:39
